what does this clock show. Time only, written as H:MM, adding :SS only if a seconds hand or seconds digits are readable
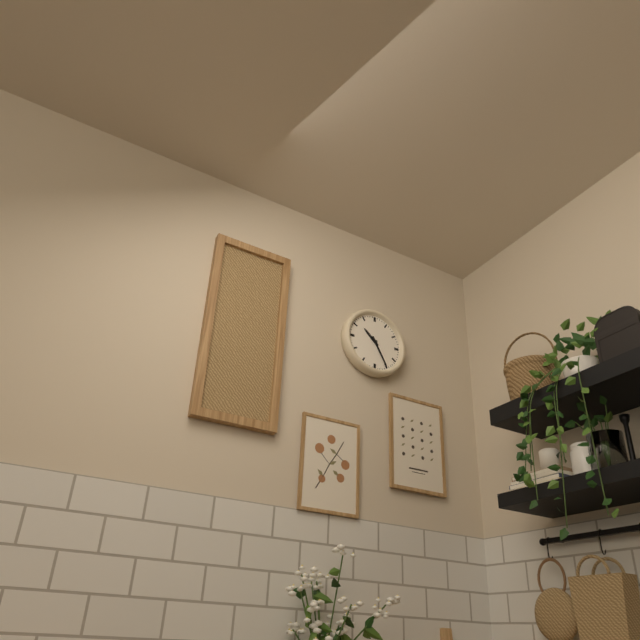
10:25
